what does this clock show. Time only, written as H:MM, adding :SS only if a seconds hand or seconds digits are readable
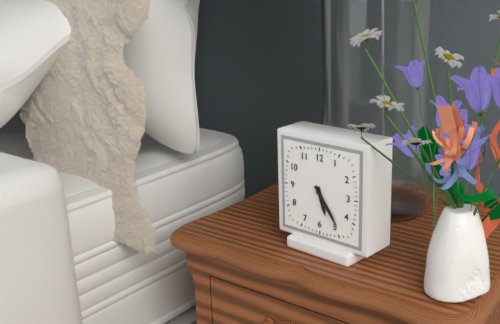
5:24
